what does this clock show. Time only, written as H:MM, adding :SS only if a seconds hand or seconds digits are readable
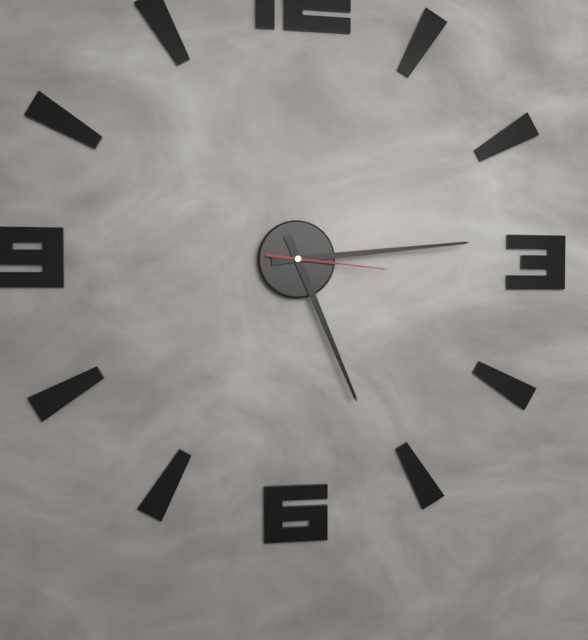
5:14:16
